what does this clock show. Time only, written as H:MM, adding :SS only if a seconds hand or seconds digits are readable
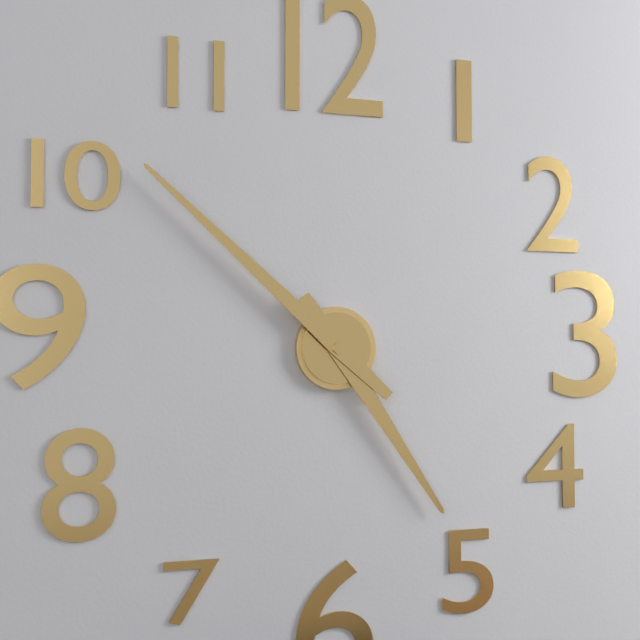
4:52
